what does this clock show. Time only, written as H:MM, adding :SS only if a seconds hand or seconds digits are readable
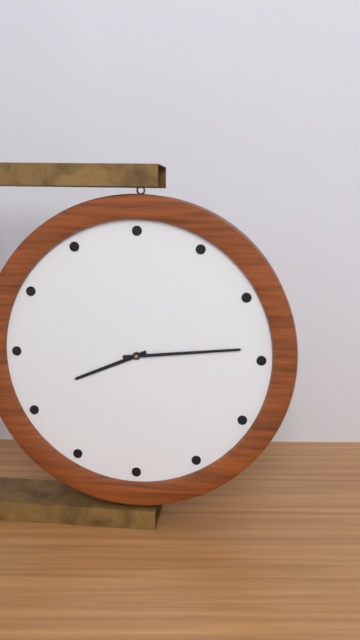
8:14
